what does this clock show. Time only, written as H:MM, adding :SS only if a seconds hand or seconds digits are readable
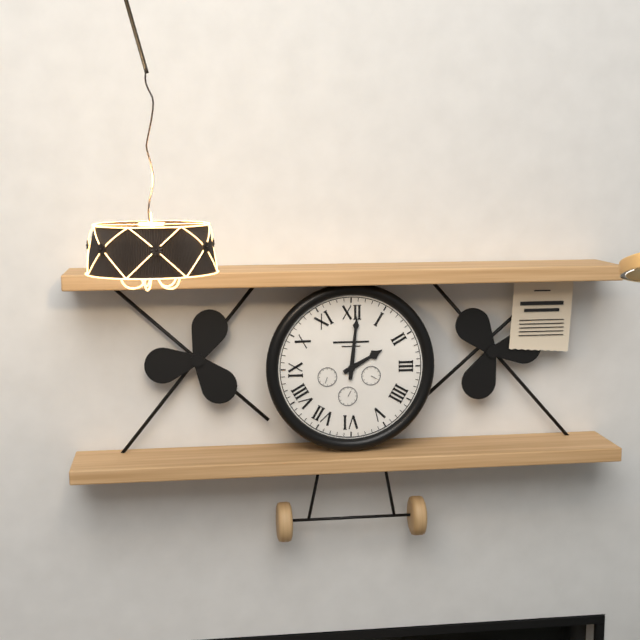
2:01
